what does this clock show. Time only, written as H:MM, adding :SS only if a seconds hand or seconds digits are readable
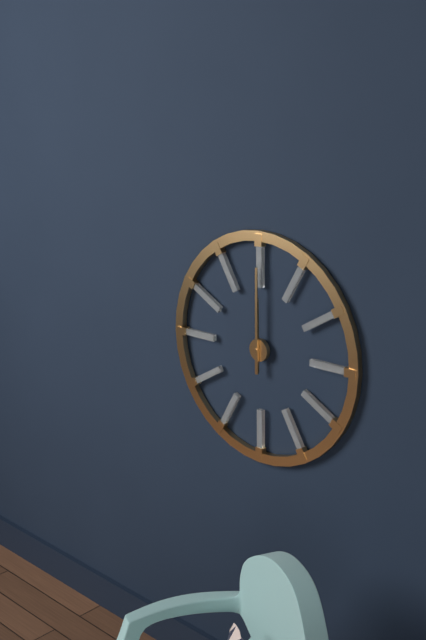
12:00
